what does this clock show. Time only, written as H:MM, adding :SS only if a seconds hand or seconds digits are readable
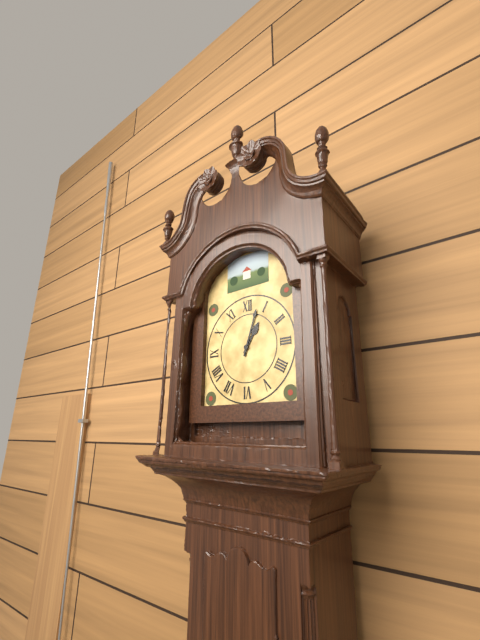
1:03
